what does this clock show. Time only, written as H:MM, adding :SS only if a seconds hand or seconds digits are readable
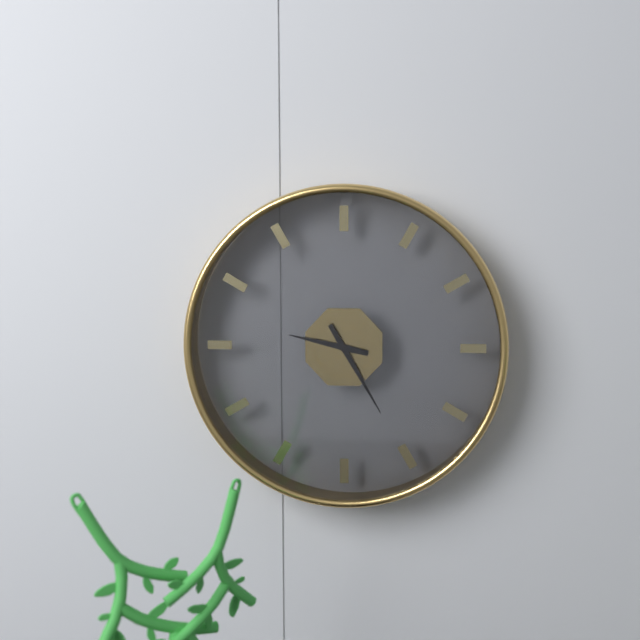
9:25
